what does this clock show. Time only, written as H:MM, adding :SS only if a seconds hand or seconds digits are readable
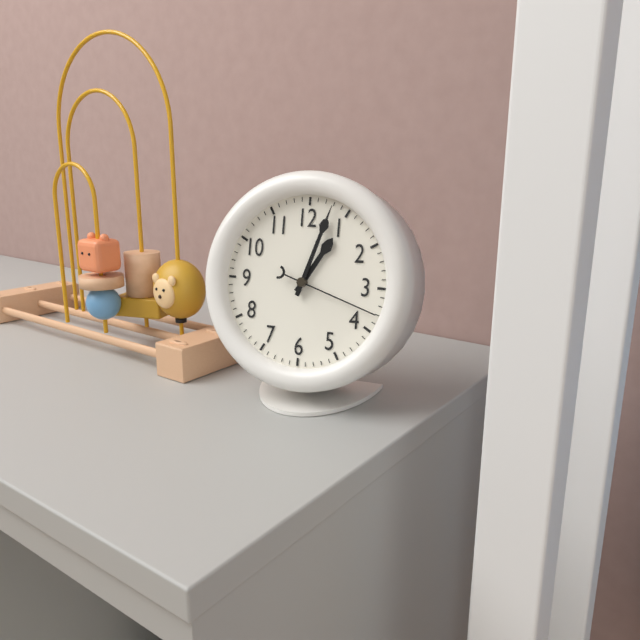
1:03:18
